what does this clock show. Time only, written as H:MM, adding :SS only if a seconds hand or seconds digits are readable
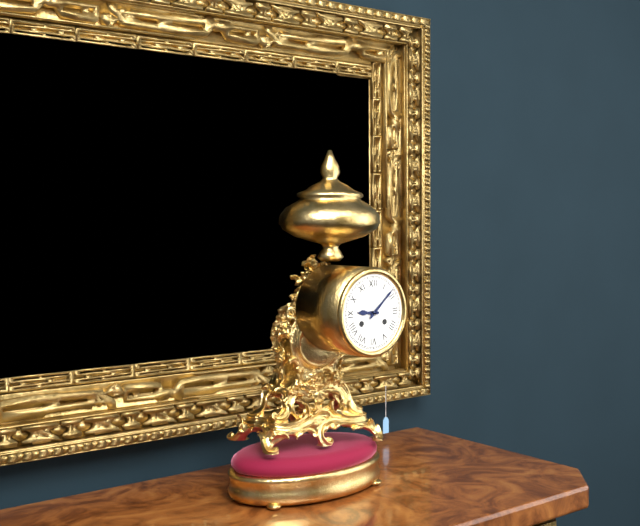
9:08
